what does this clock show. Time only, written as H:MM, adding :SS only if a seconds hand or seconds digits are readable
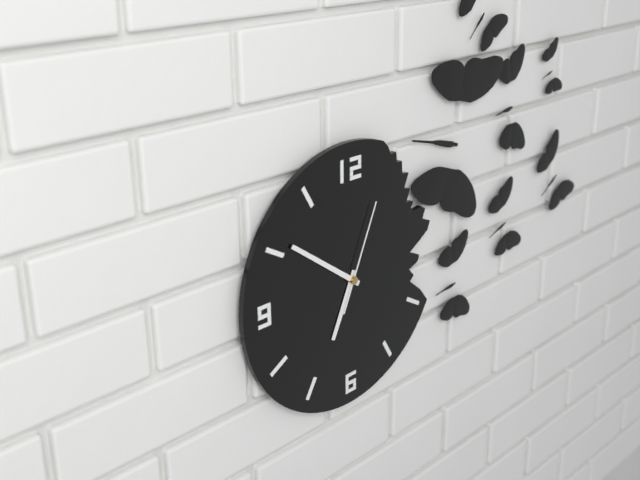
6:51:04
